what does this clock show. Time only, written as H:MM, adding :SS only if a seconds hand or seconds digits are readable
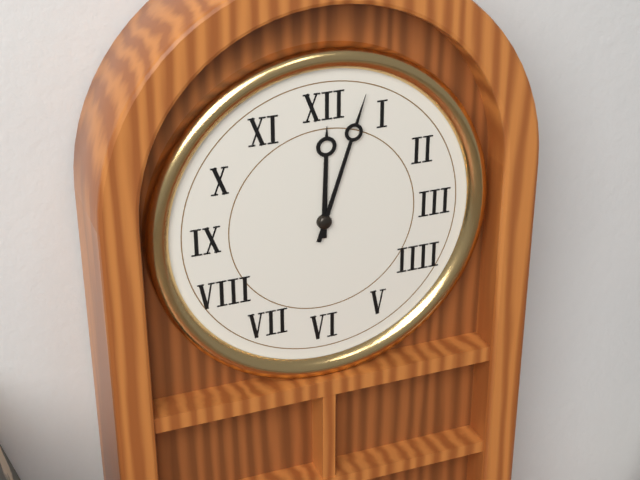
12:03
